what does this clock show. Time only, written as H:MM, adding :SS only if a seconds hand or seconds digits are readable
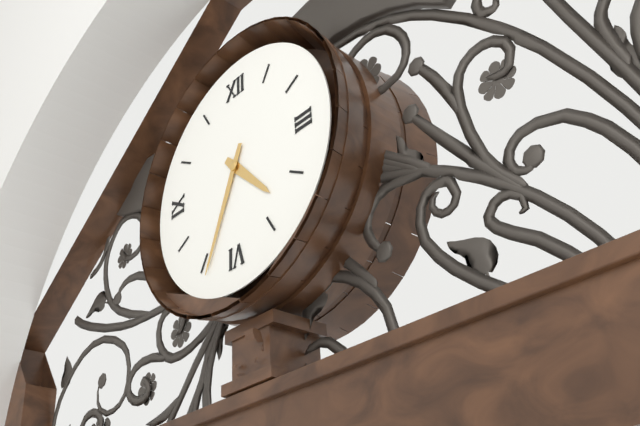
4:34
